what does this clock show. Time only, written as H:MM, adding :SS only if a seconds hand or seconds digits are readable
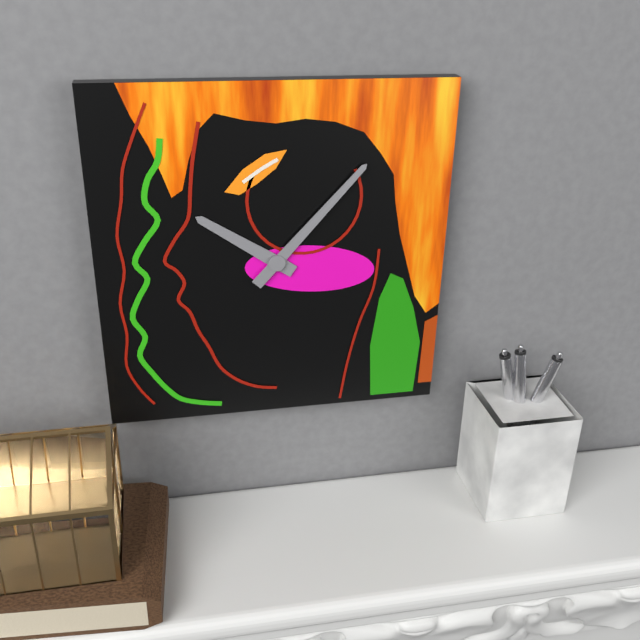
10:07
